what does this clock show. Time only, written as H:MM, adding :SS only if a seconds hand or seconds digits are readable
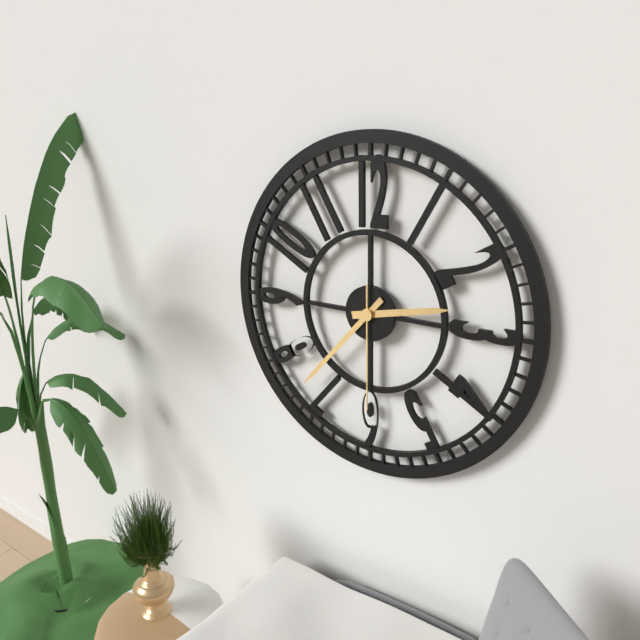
2:37:30
